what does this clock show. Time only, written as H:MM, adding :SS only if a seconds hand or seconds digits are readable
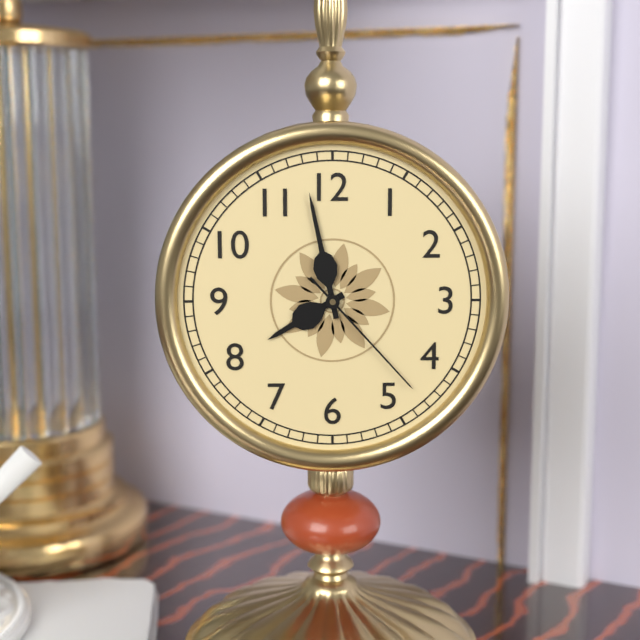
7:58:23
